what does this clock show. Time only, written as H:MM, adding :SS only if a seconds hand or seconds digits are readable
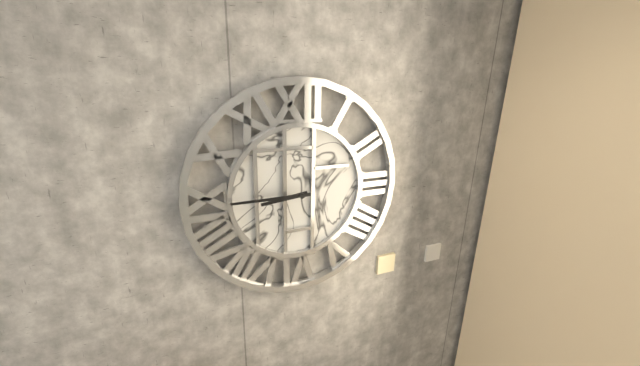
8:45
